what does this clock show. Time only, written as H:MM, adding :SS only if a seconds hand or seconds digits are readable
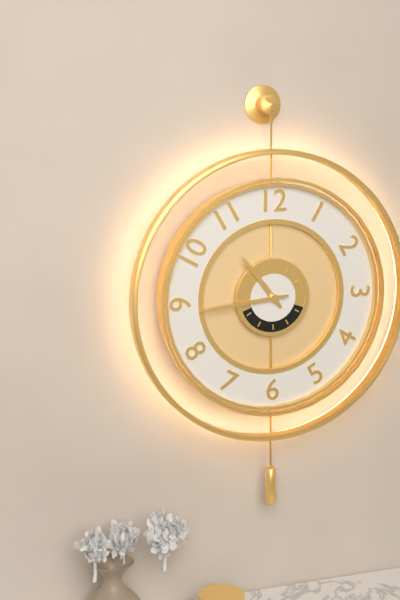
10:44
